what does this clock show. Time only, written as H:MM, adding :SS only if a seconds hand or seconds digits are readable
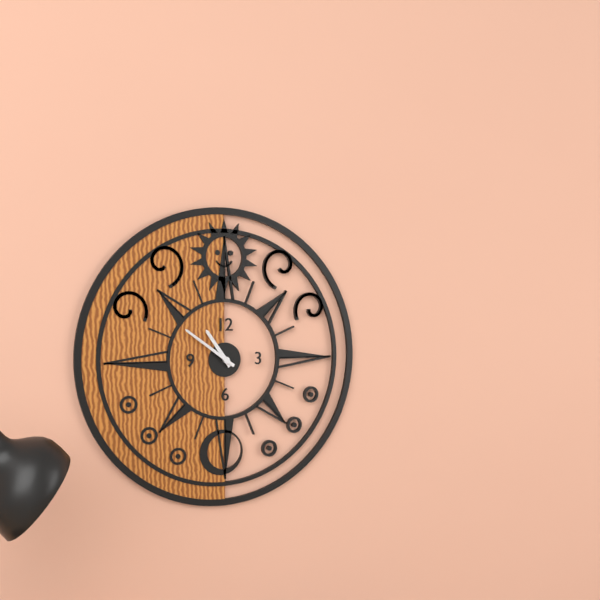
10:51
